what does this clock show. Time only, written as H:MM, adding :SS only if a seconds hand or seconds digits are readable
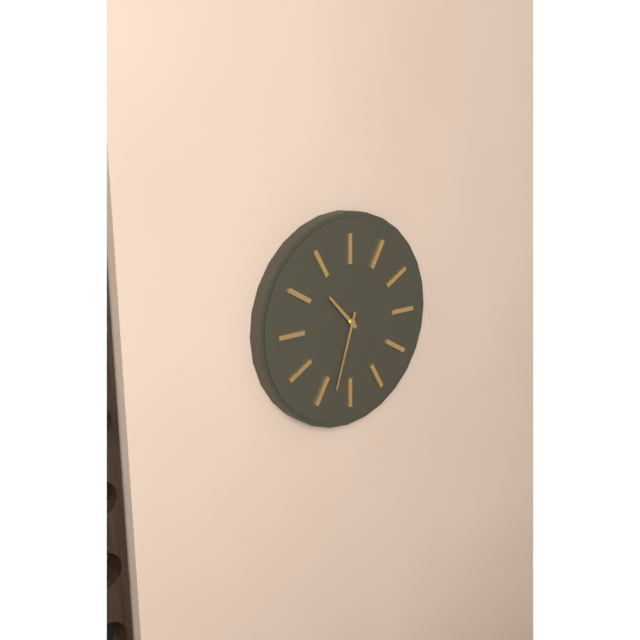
10:33
